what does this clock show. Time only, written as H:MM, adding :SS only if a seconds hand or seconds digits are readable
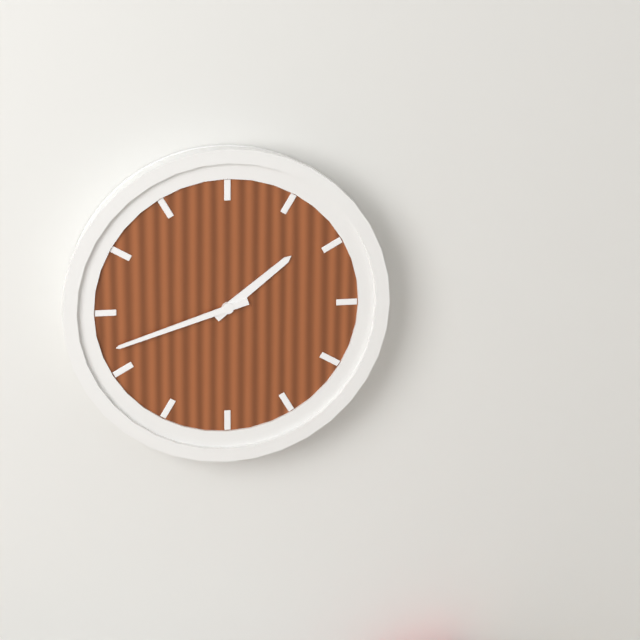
1:42
